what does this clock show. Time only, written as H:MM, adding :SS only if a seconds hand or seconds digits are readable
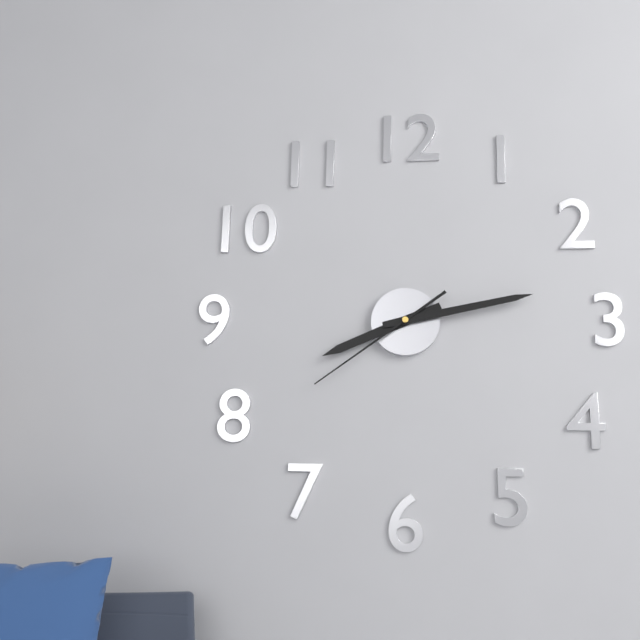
8:13:39
